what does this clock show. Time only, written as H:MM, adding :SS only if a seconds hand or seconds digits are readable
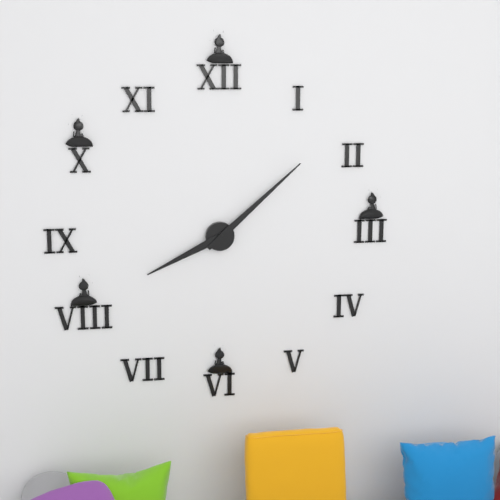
8:08
